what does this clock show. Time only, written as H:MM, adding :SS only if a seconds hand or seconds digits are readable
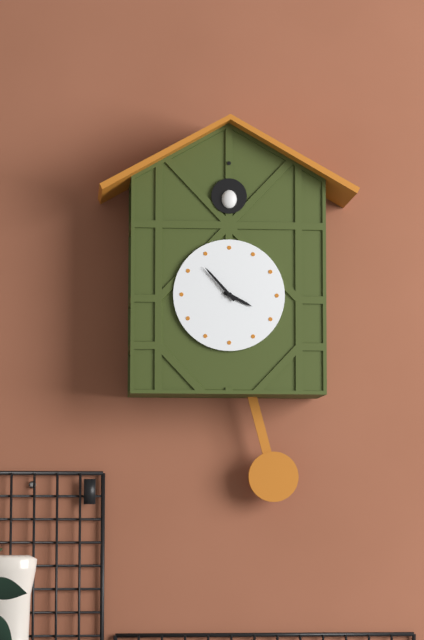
3:53
